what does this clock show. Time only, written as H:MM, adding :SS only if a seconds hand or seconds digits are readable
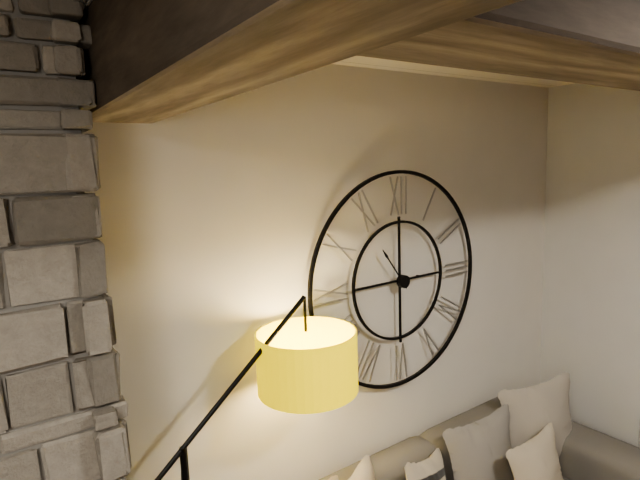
2:54
